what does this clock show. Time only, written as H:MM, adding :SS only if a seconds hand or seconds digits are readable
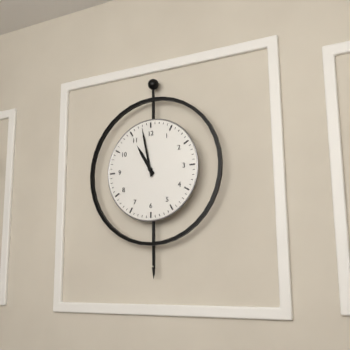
10:58
